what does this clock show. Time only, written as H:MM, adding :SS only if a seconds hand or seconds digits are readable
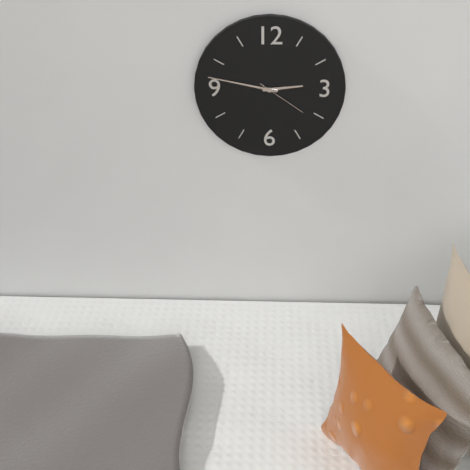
2:47:21
